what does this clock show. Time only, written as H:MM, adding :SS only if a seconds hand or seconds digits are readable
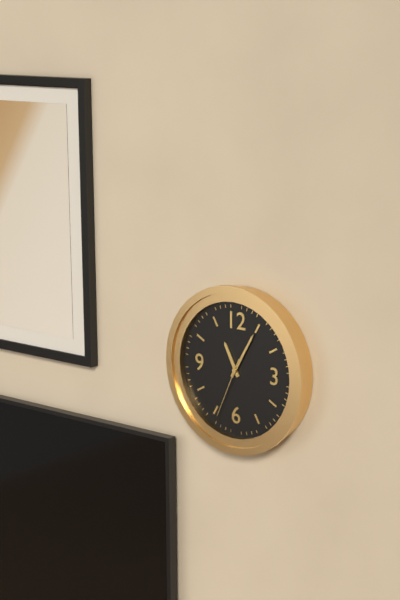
11:05:34
